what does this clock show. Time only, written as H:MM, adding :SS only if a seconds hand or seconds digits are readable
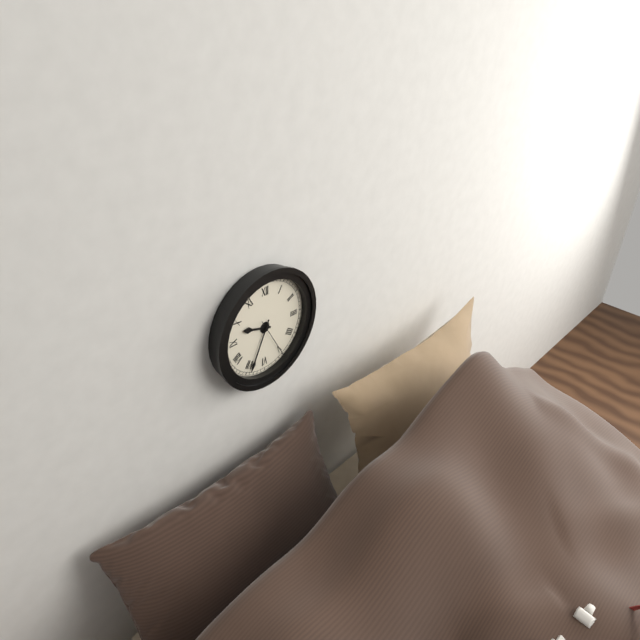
9:34:25
